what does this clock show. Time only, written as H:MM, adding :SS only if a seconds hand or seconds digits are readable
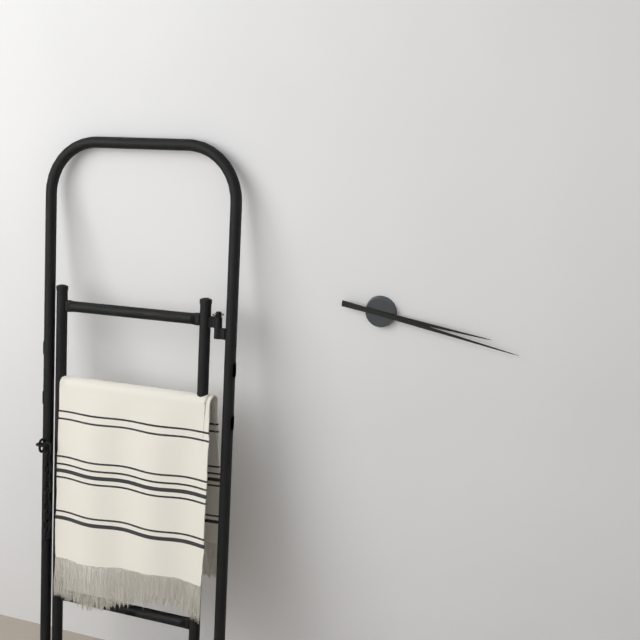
3:17
